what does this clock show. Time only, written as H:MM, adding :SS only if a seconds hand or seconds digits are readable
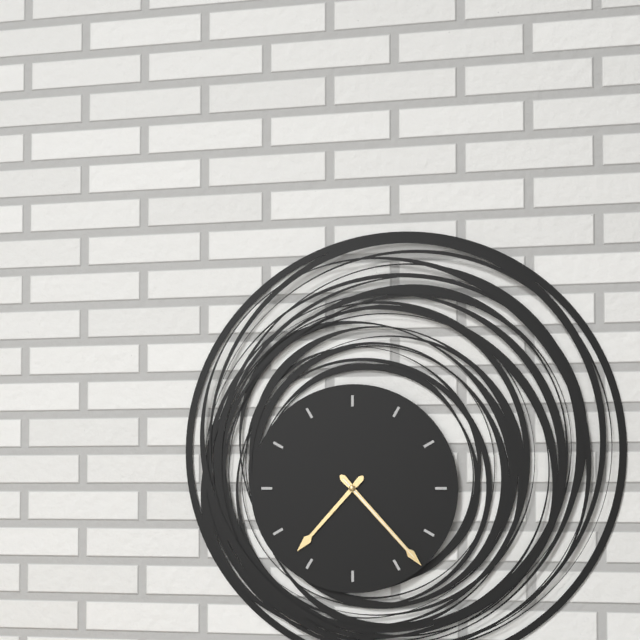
7:23:23
